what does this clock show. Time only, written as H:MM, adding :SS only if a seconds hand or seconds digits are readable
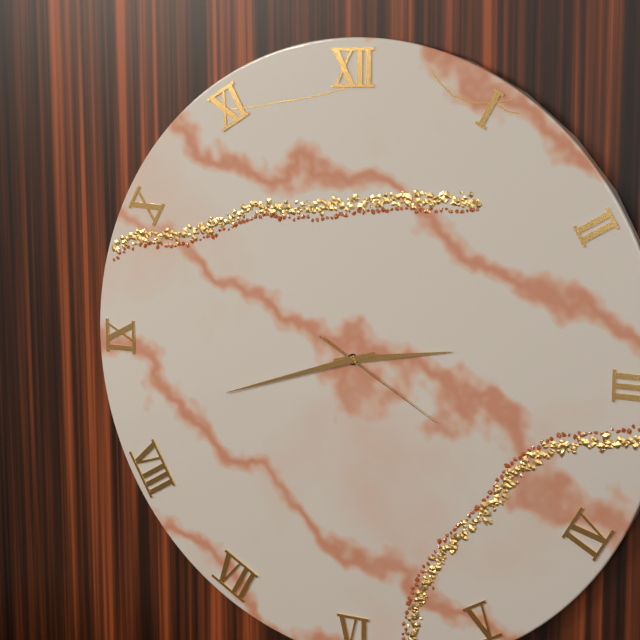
2:42:20
